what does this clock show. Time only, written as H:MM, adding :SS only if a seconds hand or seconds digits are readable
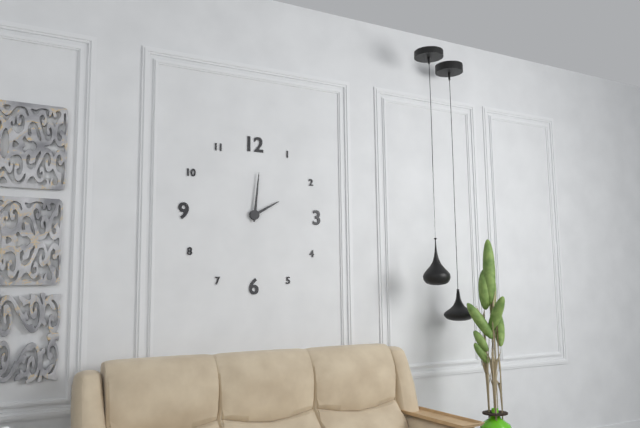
2:01
